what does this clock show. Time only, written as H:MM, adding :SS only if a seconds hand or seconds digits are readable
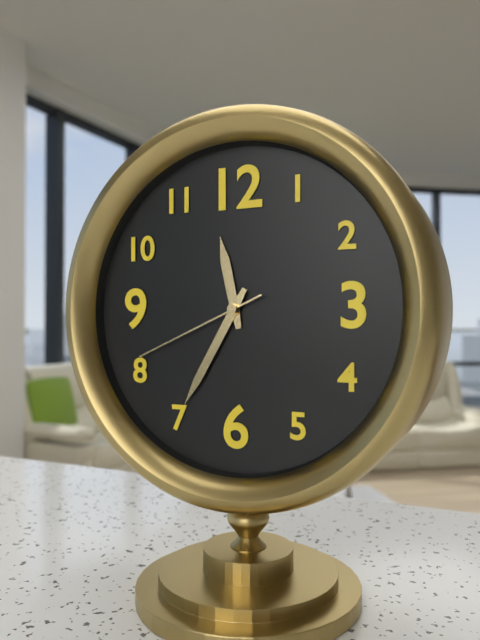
11:35:41
